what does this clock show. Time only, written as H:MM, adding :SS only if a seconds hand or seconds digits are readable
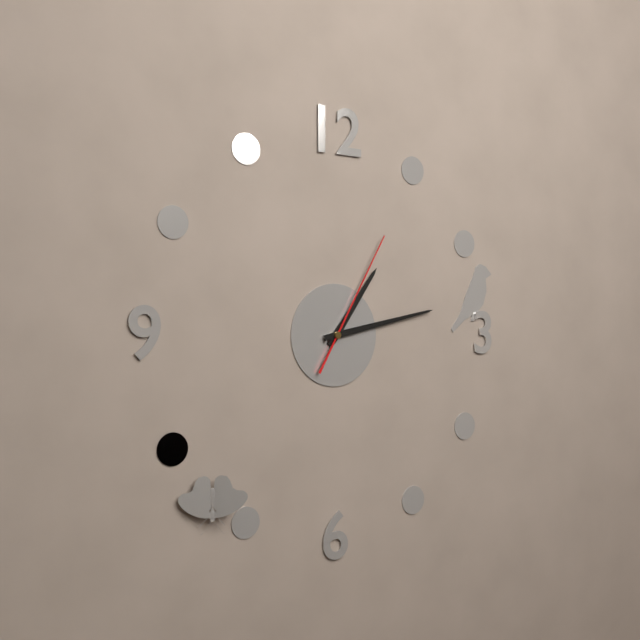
1:13:05
